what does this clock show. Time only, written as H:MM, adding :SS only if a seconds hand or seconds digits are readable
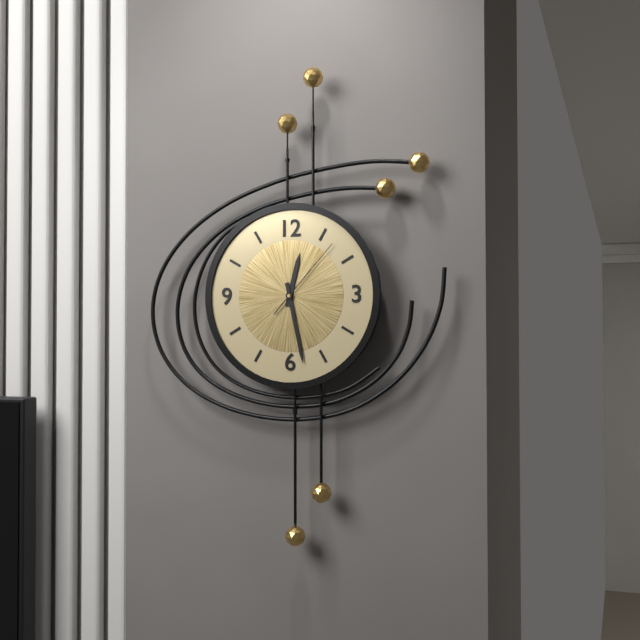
12:28:07
